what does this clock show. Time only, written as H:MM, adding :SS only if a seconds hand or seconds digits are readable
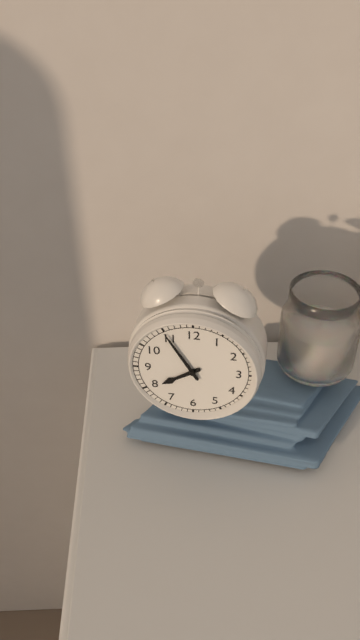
7:55
